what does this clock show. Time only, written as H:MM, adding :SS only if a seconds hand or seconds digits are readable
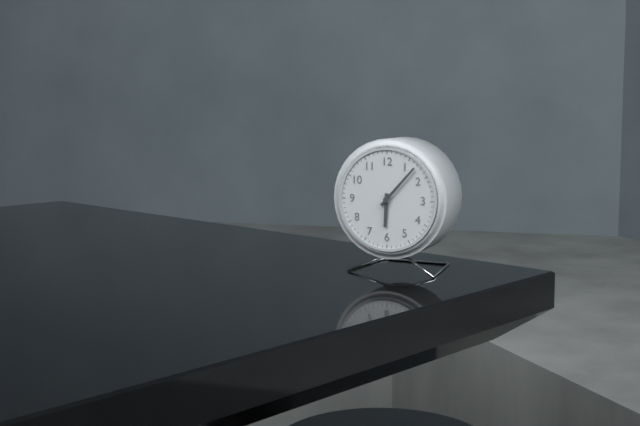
6:07
